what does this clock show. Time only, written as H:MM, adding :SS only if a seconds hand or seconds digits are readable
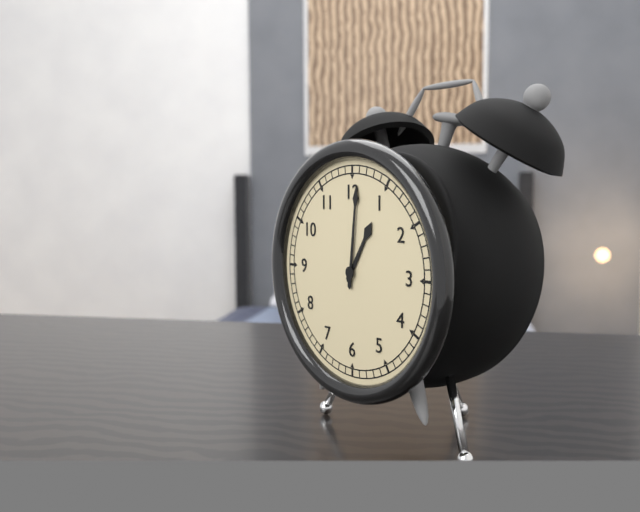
1:01
